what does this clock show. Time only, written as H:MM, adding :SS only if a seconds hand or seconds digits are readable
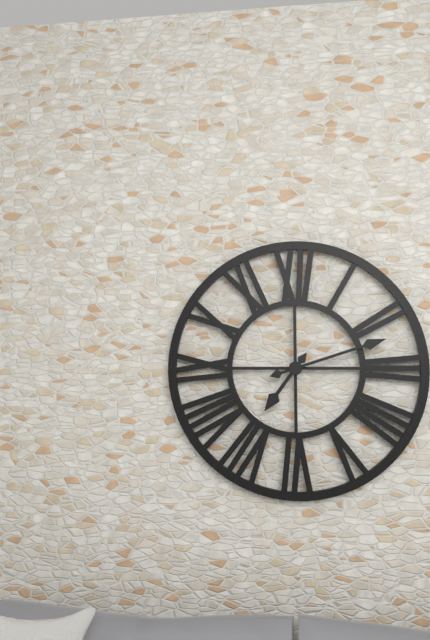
7:12
